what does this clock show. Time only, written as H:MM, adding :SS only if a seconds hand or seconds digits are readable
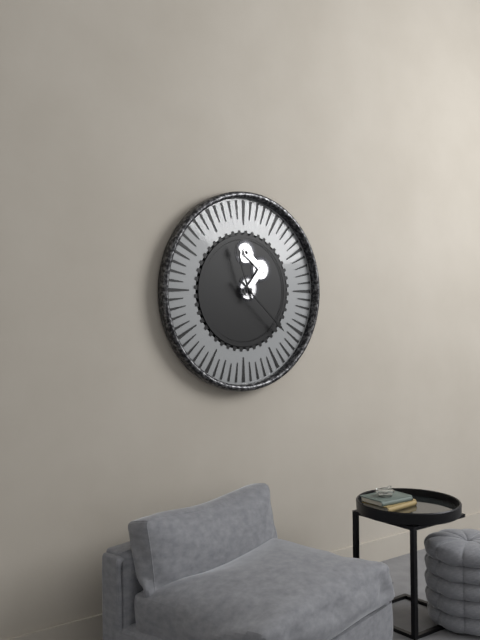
11:22
